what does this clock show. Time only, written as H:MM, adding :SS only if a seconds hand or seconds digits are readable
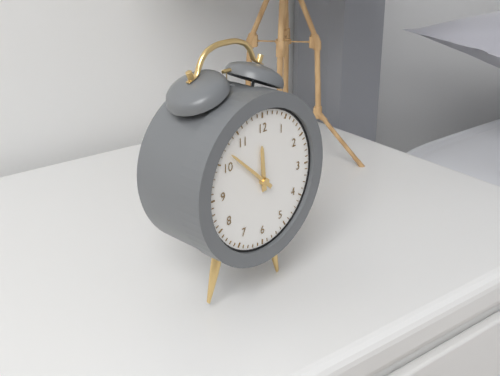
11:52
